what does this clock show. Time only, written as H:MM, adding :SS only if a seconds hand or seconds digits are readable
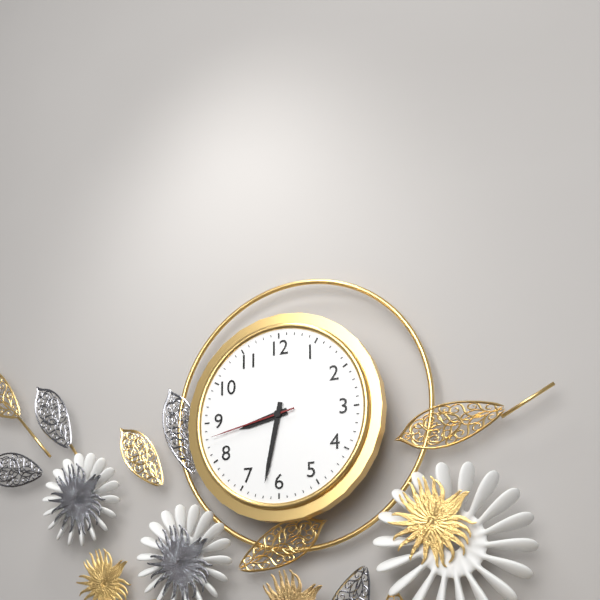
8:32:43
